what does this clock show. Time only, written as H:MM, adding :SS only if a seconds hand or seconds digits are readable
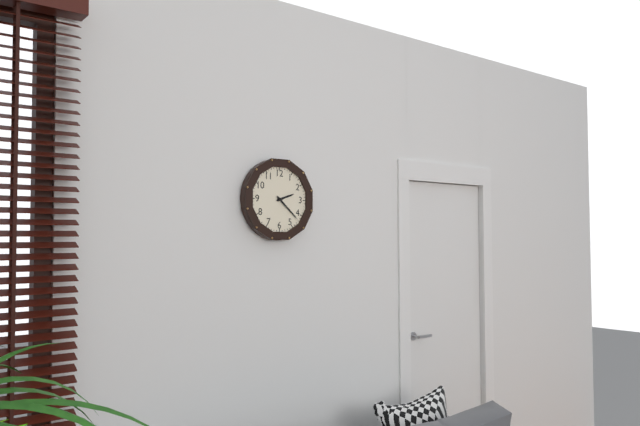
2:22
